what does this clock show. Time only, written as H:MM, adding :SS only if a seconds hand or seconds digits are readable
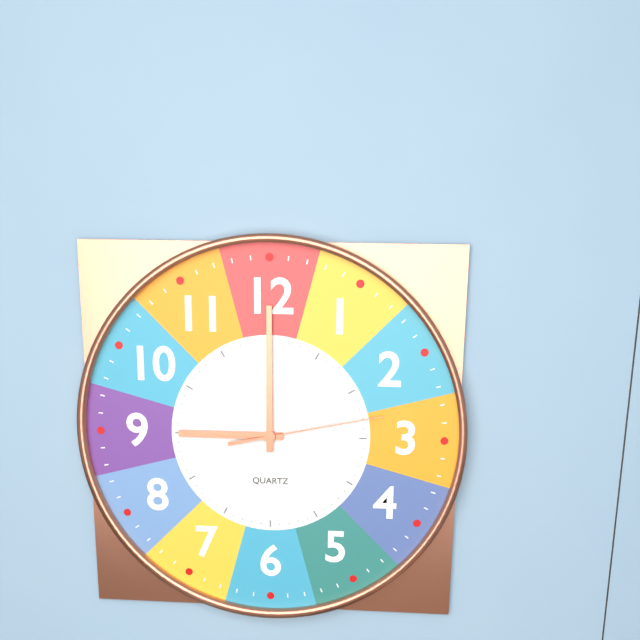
9:00:13
